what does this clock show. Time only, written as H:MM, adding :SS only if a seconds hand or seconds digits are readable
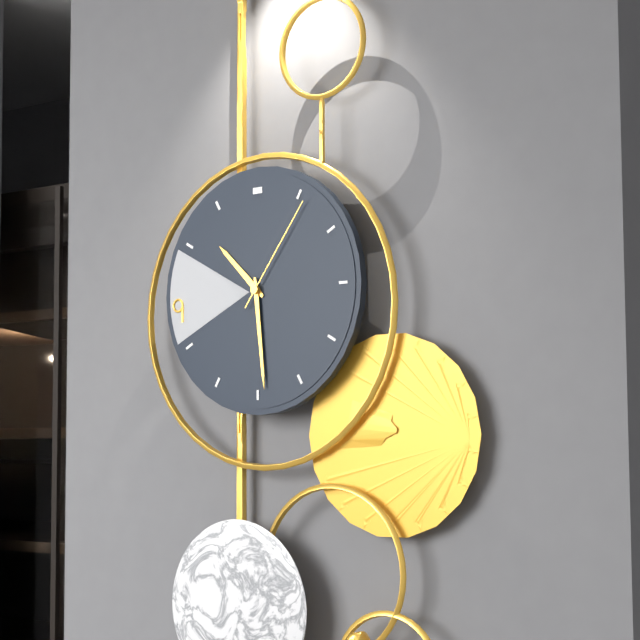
10:29:06
